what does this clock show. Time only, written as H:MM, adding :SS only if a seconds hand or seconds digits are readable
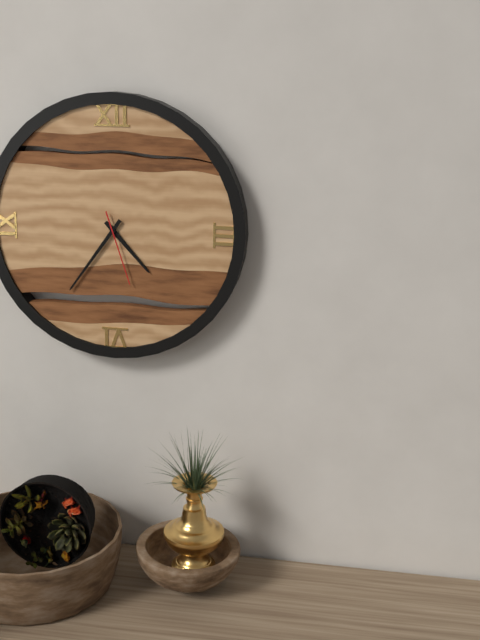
4:36:27
